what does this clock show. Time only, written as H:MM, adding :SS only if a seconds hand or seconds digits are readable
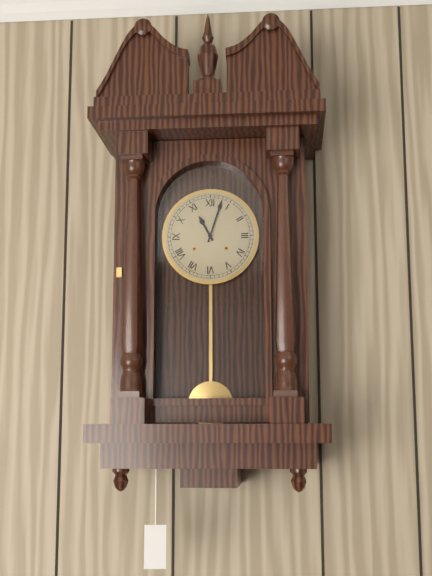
11:03
